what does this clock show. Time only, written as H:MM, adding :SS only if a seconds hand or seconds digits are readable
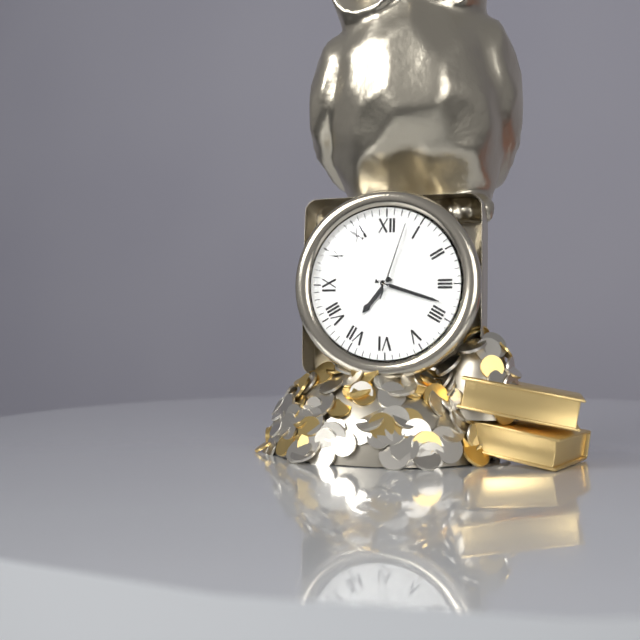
7:18:03
